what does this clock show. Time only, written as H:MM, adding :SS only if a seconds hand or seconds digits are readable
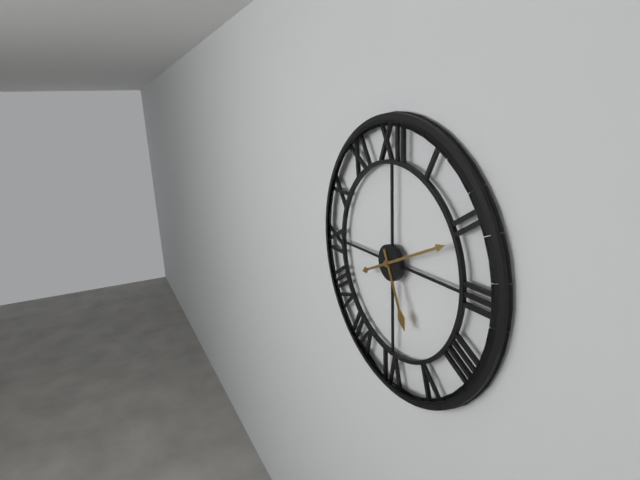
5:11
